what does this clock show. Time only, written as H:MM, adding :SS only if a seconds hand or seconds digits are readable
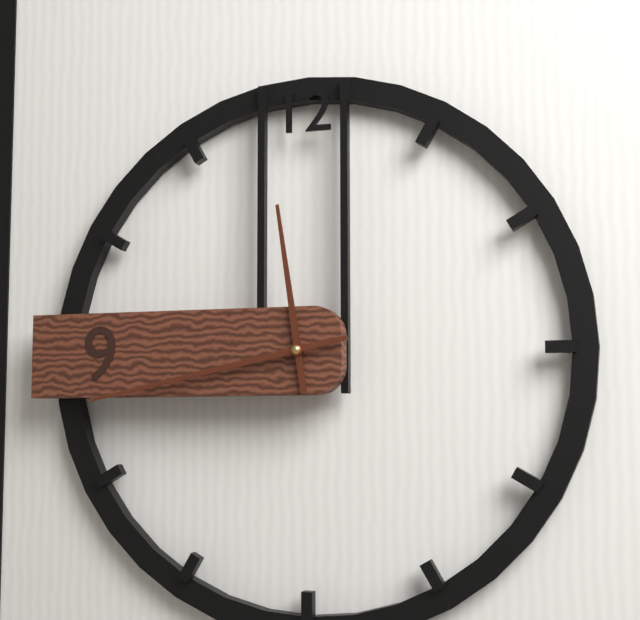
11:43
